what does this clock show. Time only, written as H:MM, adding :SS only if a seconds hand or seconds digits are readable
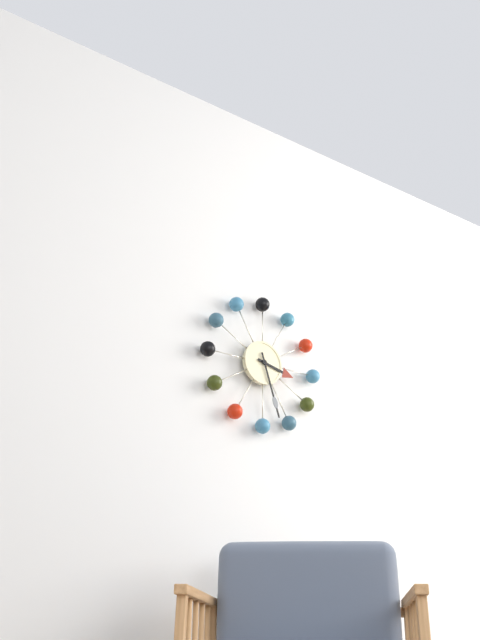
3:27
